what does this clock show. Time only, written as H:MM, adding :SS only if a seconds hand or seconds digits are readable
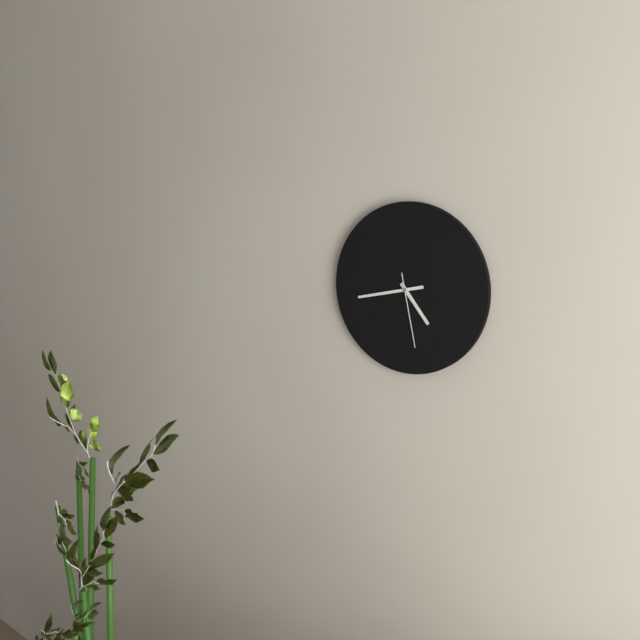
4:43:28
